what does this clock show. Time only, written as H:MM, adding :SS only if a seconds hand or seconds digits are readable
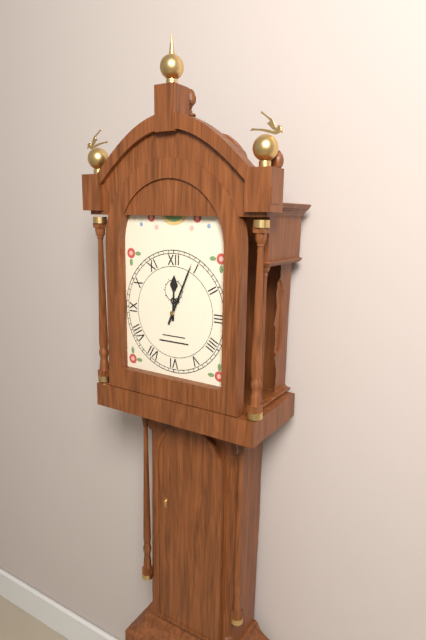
12:04
